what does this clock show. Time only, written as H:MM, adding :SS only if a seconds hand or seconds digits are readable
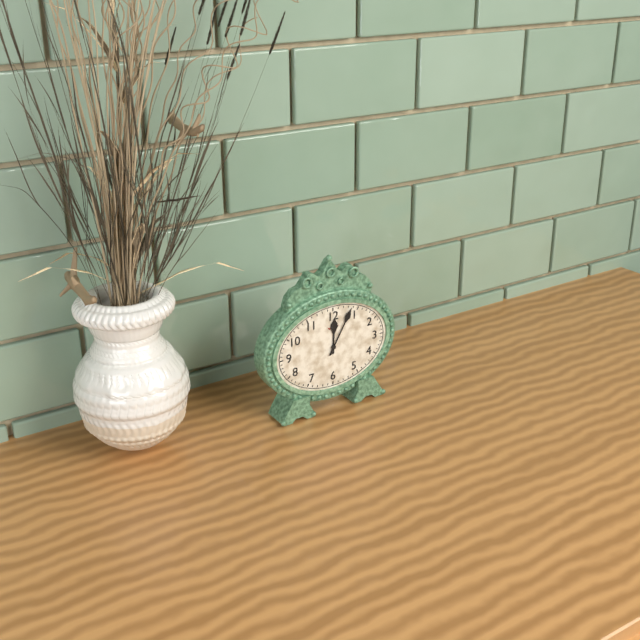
12:05
